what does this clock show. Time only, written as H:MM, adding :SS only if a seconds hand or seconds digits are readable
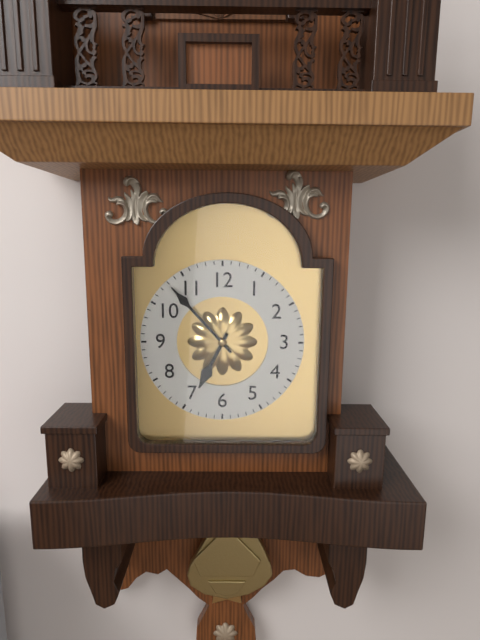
6:53
